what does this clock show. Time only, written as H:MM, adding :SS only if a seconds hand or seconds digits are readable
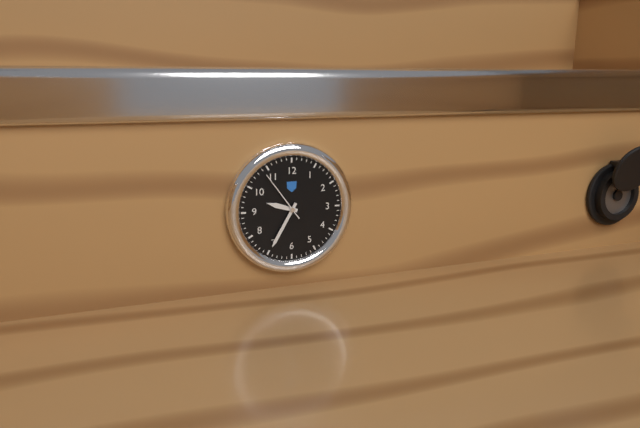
9:35:54
